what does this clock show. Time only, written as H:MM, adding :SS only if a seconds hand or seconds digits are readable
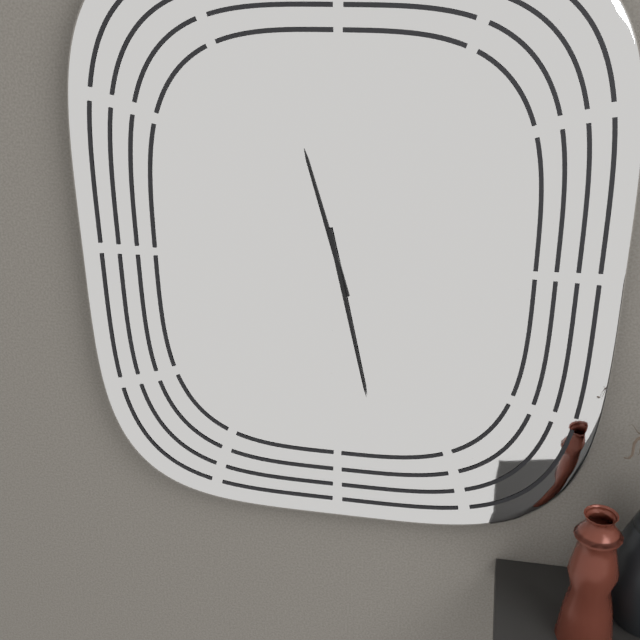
11:28
